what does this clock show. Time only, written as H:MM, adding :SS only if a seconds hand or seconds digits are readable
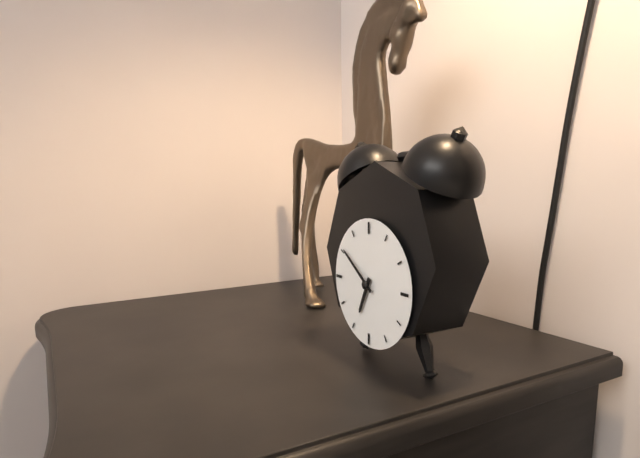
6:51
